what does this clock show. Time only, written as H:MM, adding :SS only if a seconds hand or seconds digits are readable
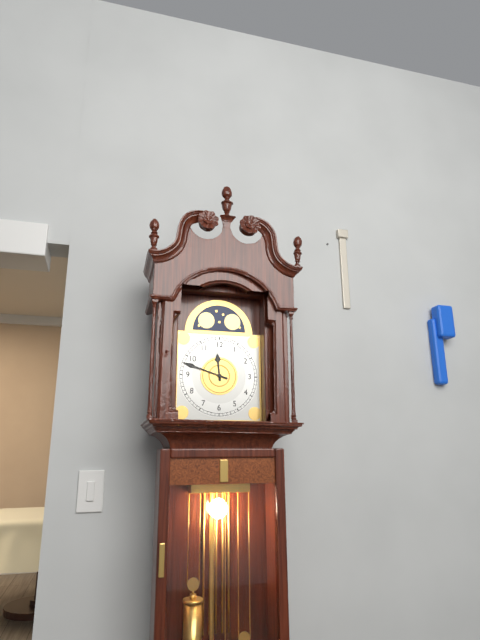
11:48
